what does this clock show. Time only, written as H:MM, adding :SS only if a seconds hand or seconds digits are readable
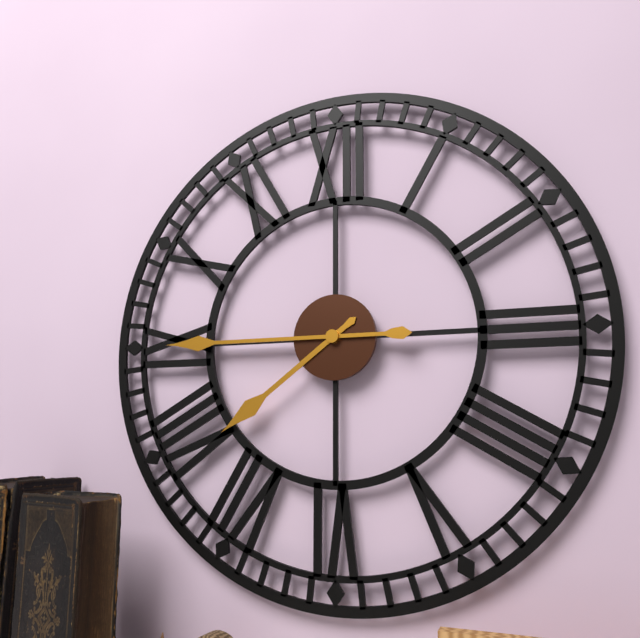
7:45
